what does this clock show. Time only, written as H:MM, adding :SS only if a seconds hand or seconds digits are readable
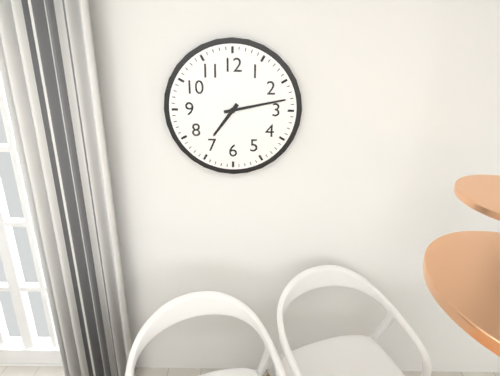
7:13
